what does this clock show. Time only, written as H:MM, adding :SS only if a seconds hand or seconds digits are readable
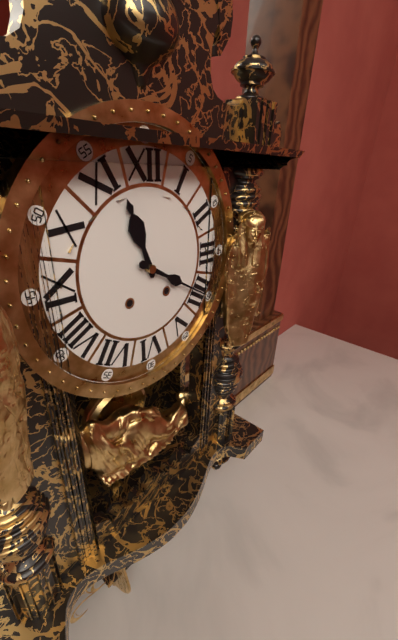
11:20
